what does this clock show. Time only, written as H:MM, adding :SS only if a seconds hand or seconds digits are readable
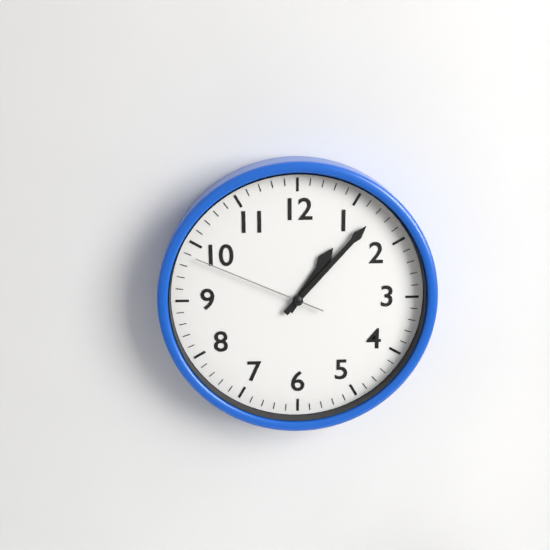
1:07:49
